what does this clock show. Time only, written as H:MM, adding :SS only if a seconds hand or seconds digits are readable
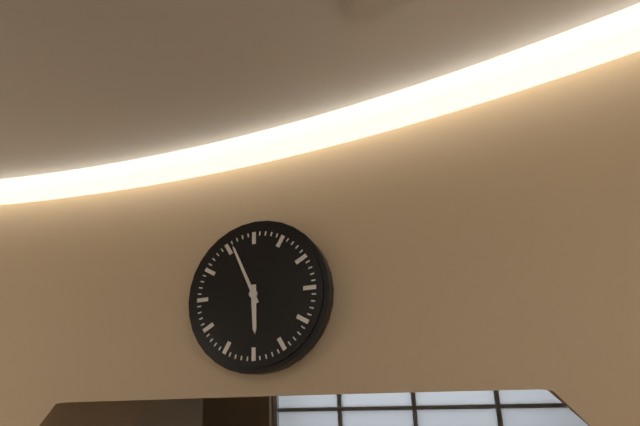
5:56
